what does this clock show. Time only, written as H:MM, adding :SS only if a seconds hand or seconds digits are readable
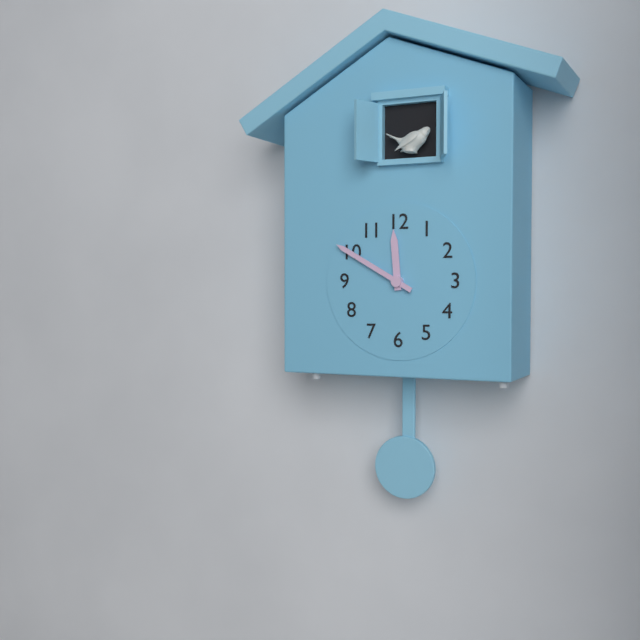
11:50
